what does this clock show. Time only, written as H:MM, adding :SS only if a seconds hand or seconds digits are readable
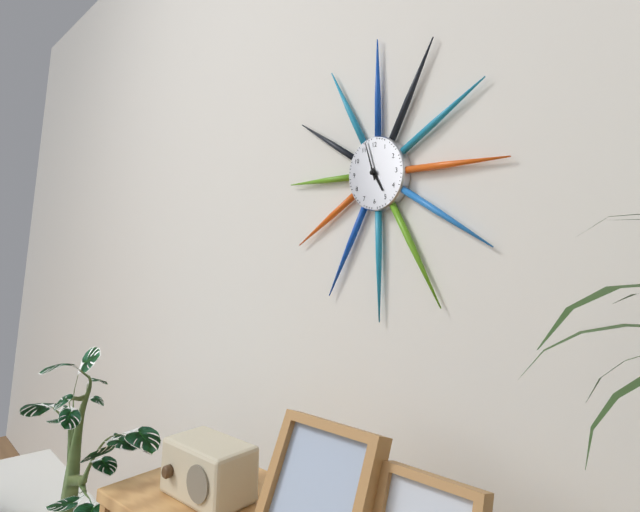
4:57
